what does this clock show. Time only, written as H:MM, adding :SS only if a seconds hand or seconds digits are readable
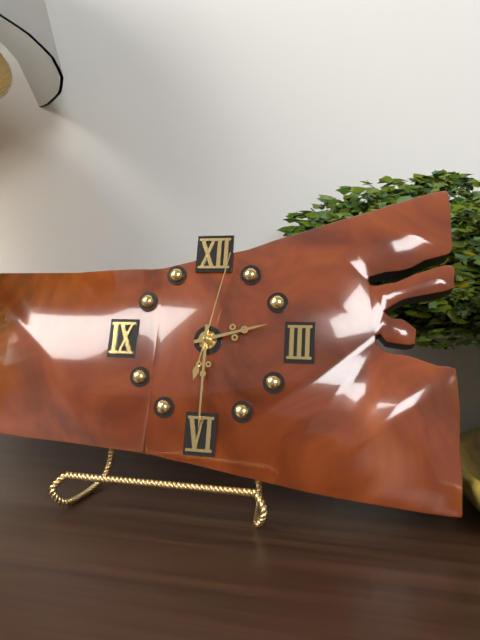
2:30:02
